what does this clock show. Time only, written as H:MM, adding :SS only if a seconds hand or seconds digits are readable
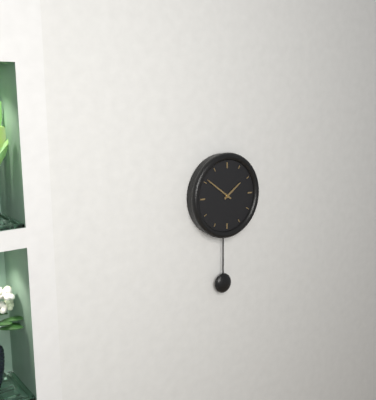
1:51
